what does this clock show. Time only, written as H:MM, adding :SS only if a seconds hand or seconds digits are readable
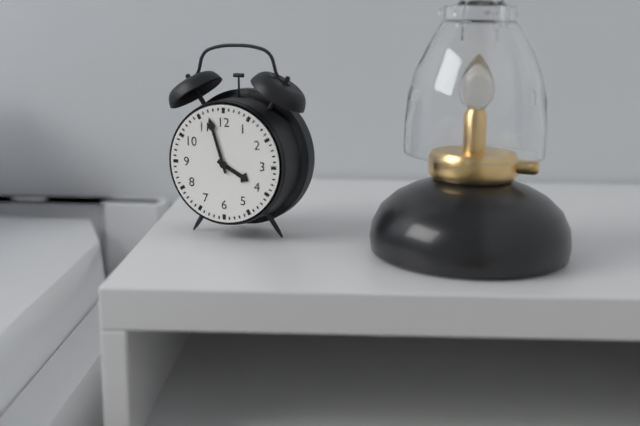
3:57
